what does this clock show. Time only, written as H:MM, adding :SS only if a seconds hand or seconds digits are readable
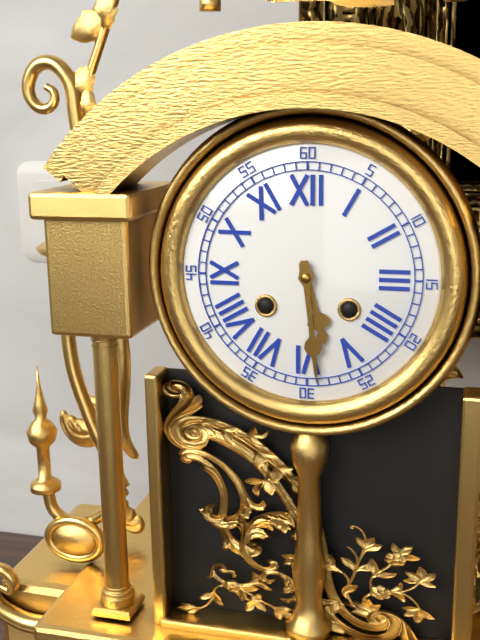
5:29
